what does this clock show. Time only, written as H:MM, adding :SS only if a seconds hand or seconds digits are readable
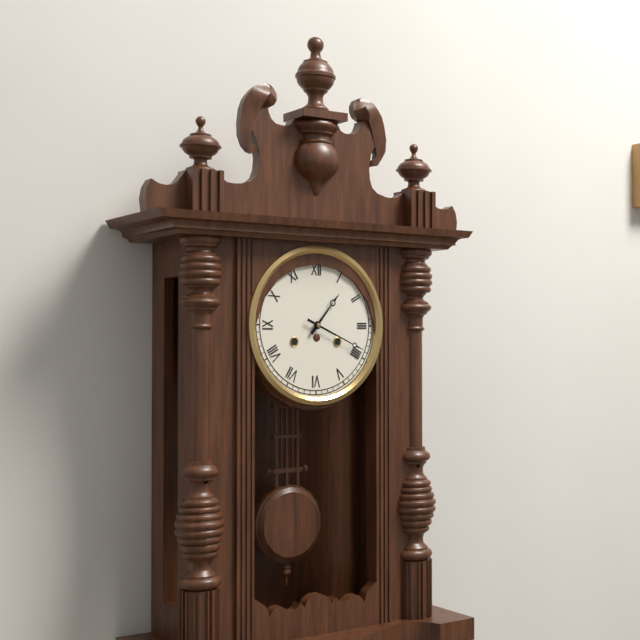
1:19
